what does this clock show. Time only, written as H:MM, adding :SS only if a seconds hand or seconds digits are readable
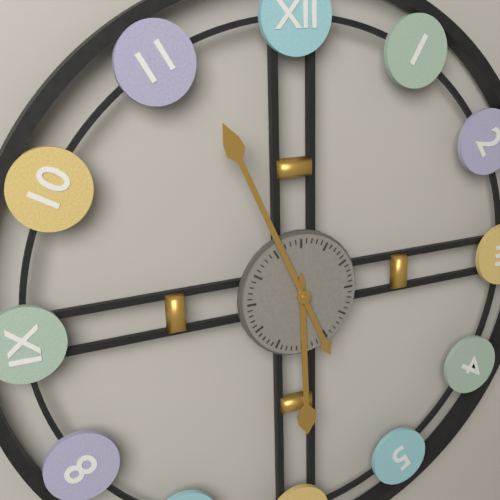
5:56
